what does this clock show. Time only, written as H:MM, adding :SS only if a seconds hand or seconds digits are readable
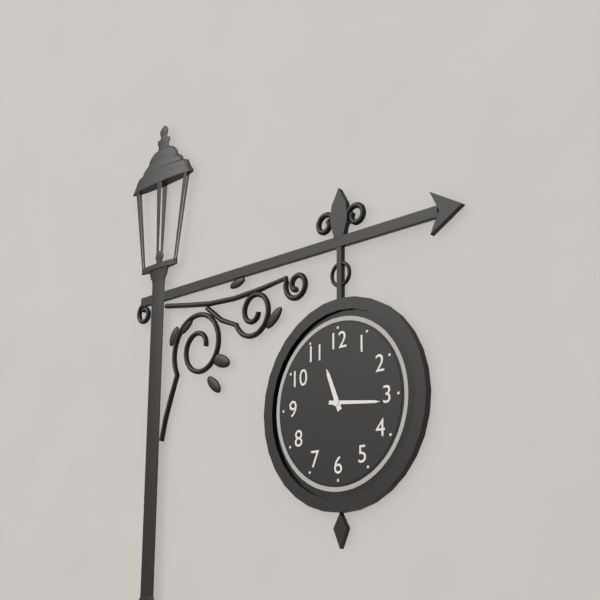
11:16
